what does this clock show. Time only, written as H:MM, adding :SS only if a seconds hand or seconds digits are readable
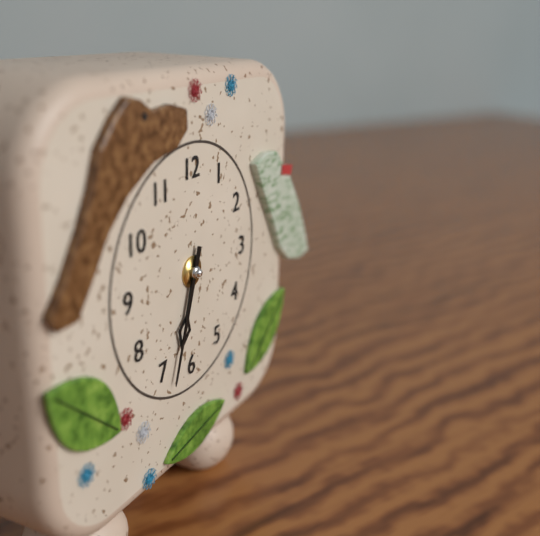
6:33
